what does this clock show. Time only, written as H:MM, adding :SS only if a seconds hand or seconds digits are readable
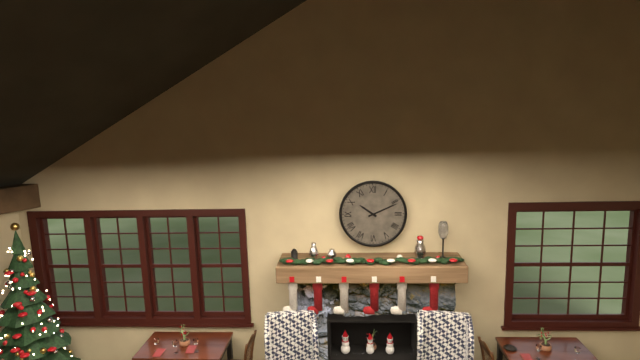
10:11
